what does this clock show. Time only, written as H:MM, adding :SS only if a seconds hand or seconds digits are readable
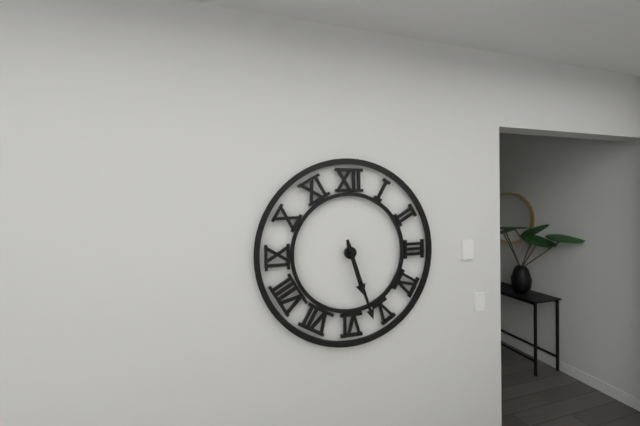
5:27
